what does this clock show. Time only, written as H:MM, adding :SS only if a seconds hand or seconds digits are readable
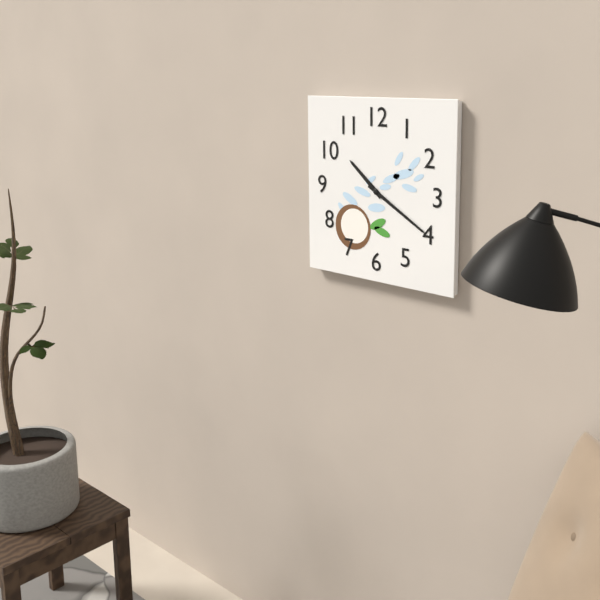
10:20
